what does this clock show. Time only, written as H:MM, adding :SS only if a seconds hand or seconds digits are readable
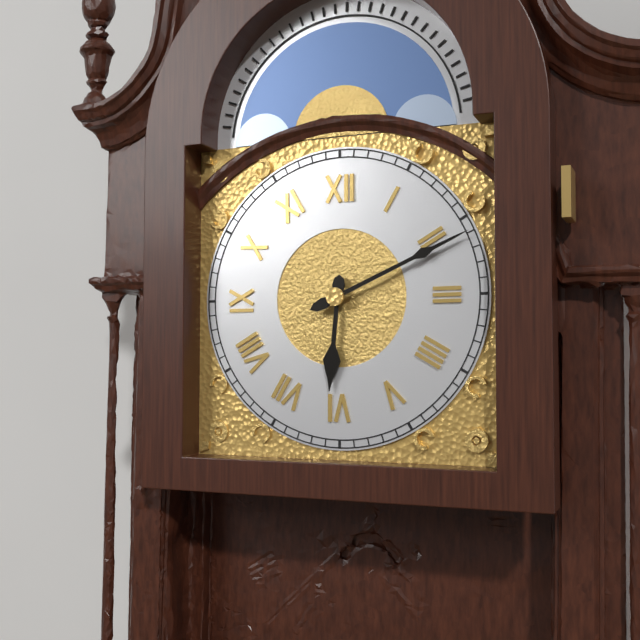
6:11
